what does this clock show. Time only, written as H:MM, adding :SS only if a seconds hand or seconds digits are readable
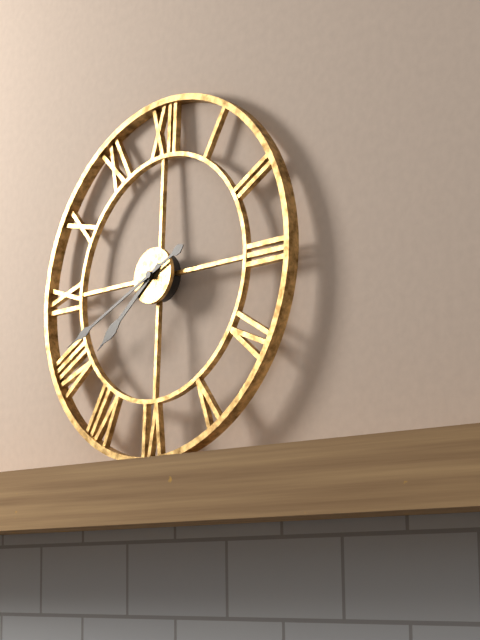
7:41
